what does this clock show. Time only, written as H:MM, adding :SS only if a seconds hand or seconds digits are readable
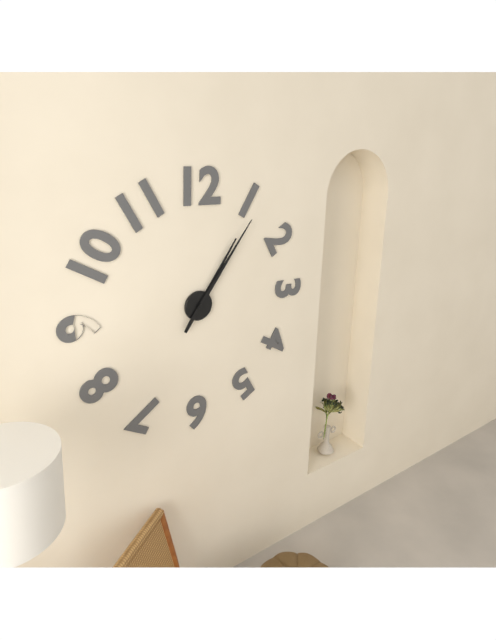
1:06
